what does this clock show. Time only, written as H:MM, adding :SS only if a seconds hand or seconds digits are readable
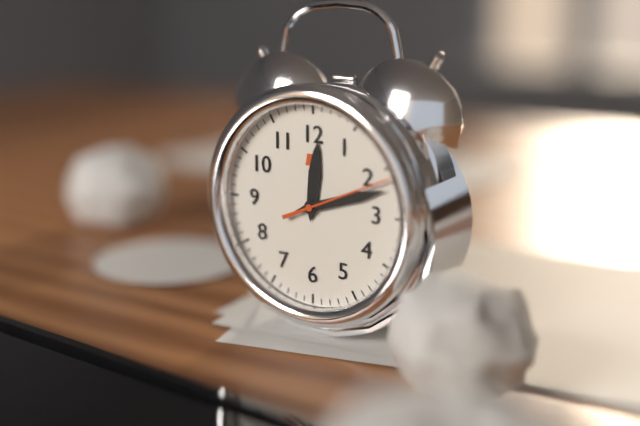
12:12:11
